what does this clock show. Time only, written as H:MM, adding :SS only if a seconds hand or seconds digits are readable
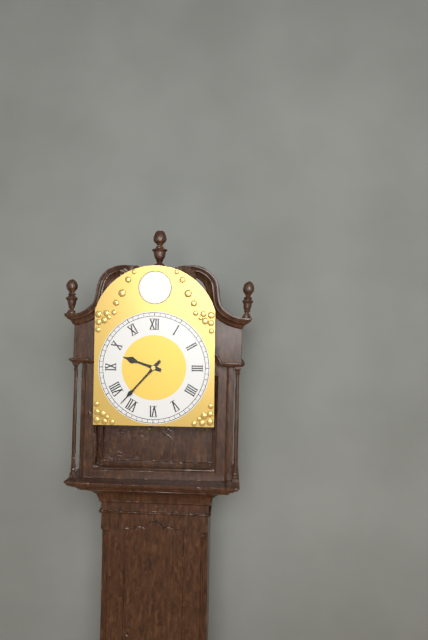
9:37
